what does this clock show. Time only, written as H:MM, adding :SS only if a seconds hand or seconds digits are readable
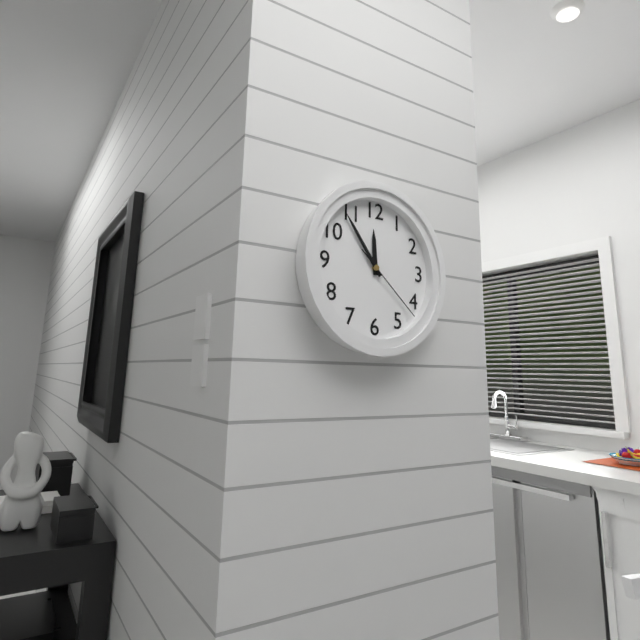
11:54:22
